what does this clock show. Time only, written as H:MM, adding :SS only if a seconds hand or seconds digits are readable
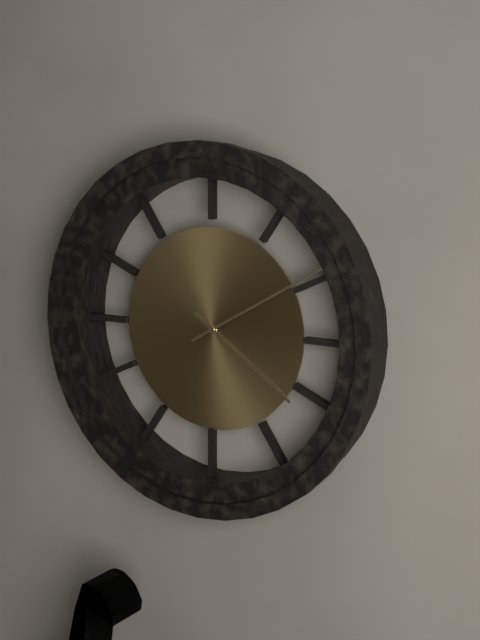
4:10
